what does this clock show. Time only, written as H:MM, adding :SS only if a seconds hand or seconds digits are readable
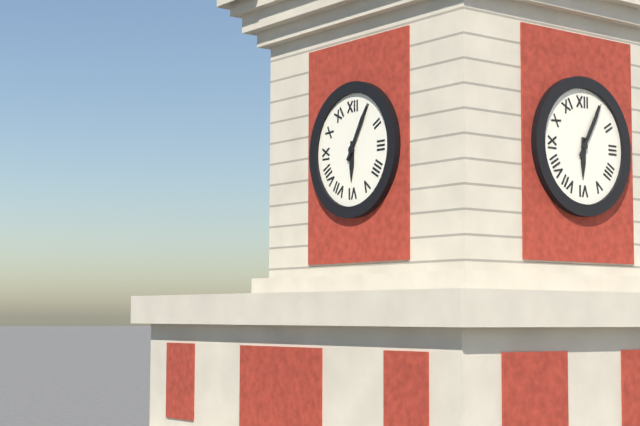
6:05
